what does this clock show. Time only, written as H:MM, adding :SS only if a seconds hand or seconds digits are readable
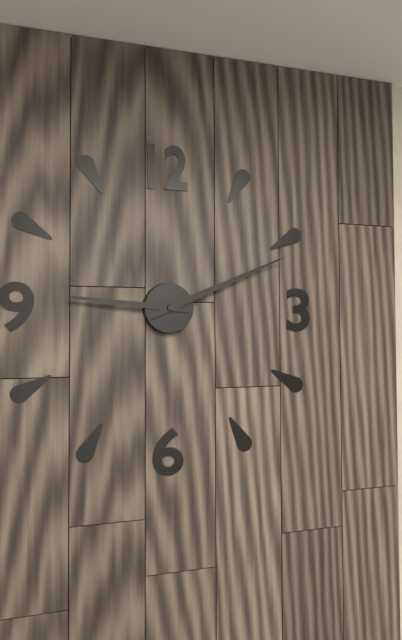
9:11
